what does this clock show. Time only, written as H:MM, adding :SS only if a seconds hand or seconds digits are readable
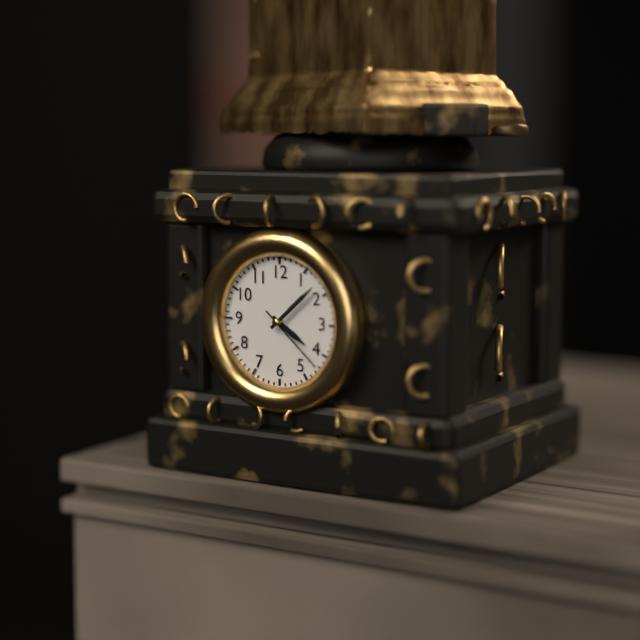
4:08:22
